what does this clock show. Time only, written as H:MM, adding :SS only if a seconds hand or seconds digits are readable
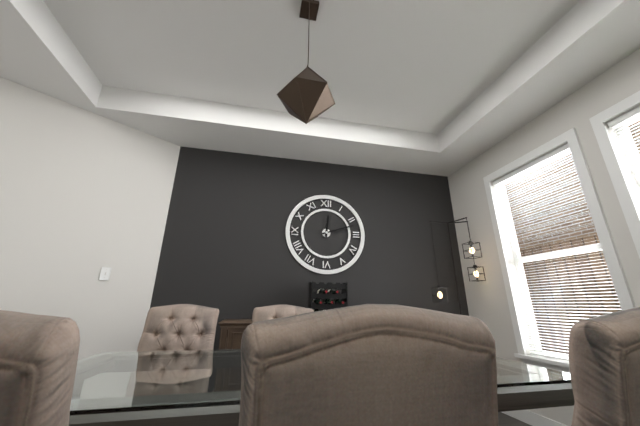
12:12
